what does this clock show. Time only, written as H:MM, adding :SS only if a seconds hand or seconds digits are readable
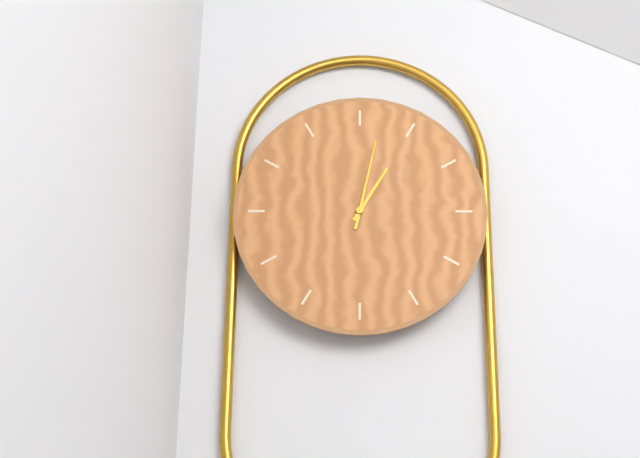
1:02
